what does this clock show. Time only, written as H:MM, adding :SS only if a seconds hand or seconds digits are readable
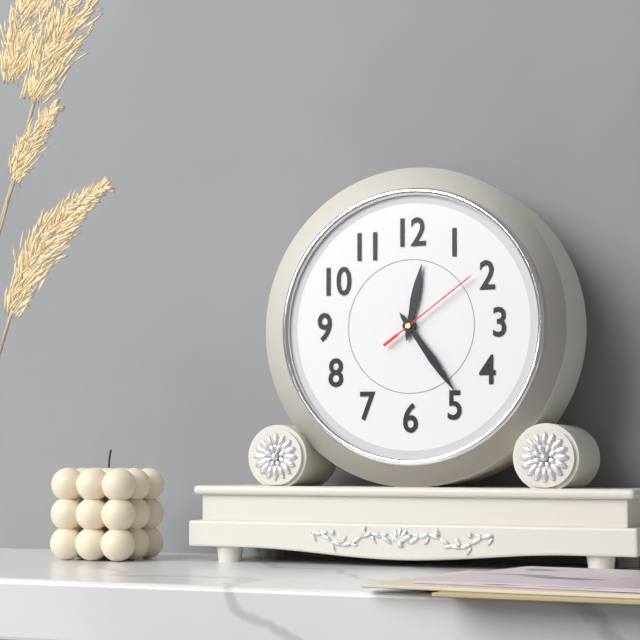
12:24:09
